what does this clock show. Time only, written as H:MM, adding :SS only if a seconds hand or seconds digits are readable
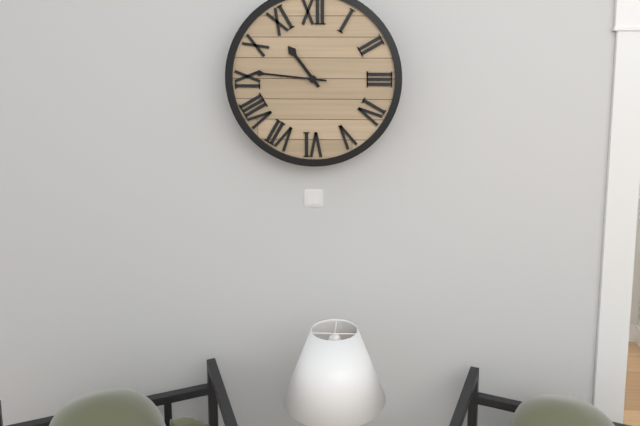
10:46
